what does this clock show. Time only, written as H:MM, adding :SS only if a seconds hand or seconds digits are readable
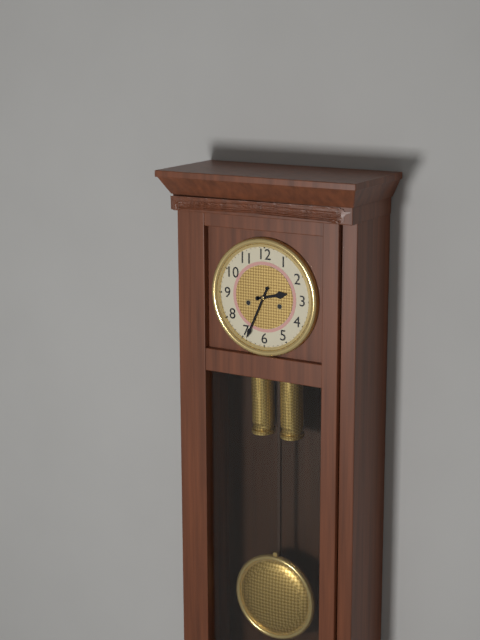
2:34
